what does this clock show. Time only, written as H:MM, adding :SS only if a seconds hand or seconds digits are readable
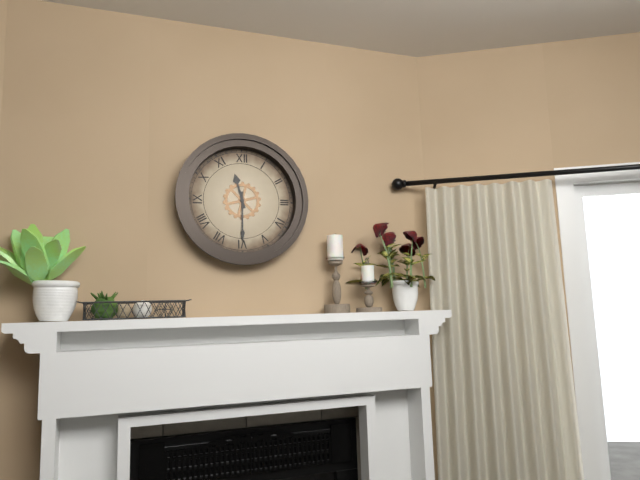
11:30
